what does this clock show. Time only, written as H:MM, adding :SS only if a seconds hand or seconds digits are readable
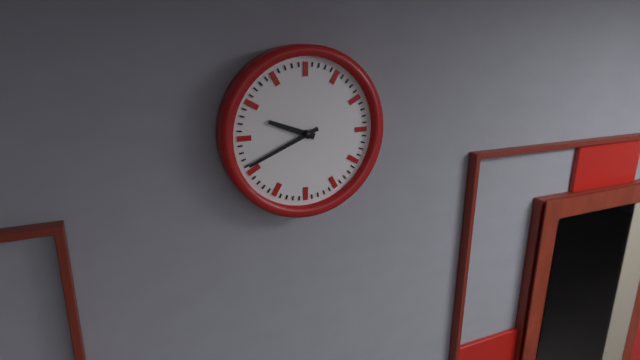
9:41
